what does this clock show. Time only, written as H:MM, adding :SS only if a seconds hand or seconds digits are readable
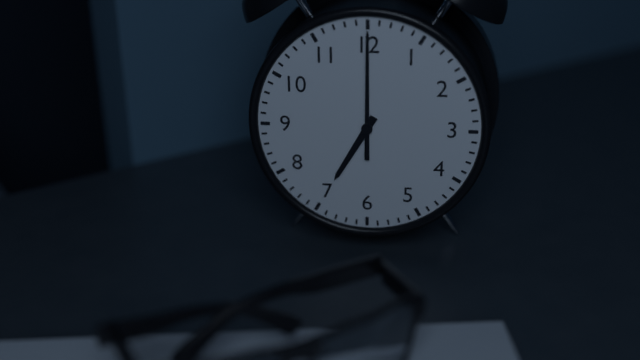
7:00
